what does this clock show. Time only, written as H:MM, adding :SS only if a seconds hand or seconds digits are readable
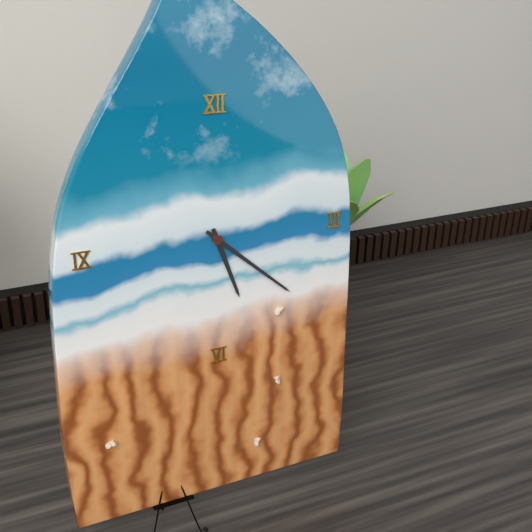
5:22
